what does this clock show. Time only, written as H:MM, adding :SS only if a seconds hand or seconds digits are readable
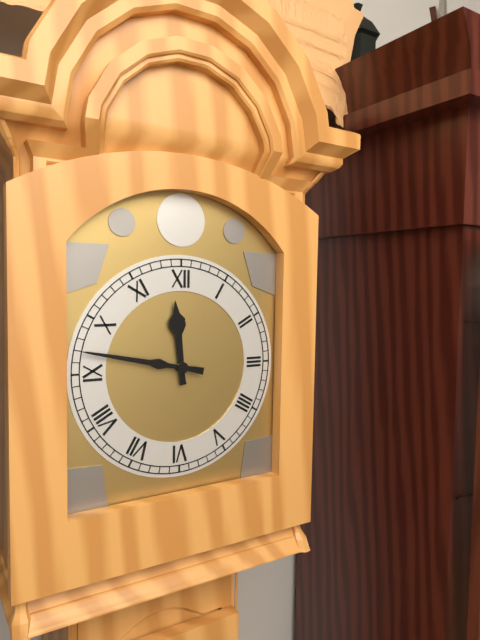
11:47
